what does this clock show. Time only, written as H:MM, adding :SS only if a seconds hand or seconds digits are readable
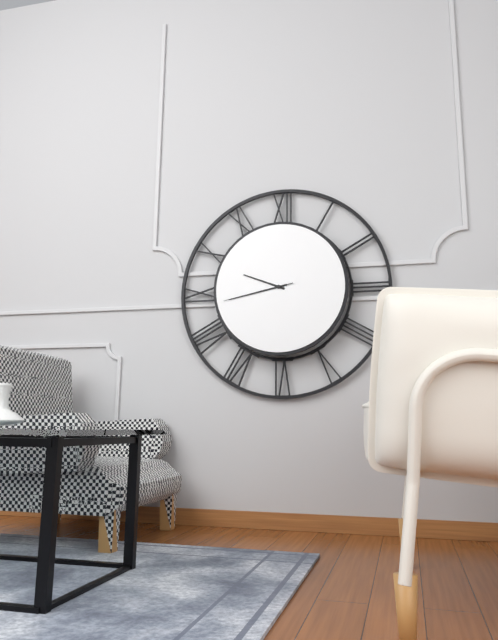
9:43:43
